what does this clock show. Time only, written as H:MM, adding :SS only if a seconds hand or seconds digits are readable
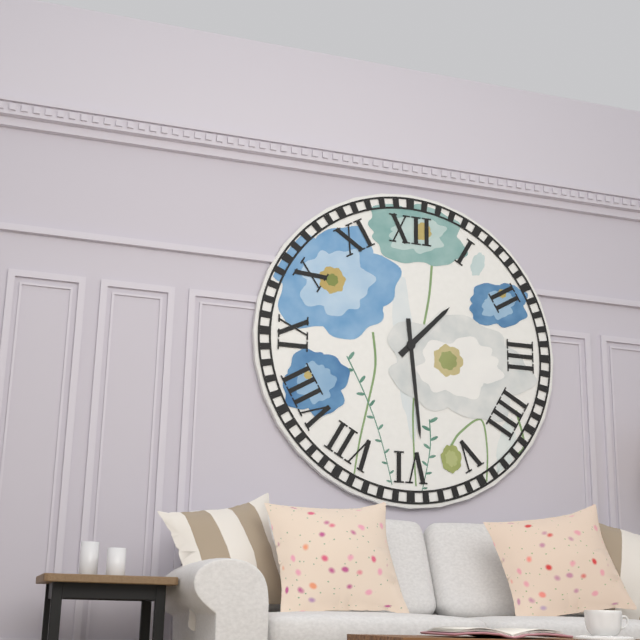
1:29
